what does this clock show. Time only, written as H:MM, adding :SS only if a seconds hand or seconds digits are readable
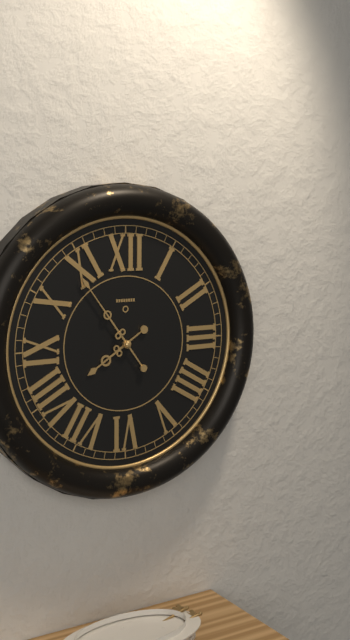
7:54
